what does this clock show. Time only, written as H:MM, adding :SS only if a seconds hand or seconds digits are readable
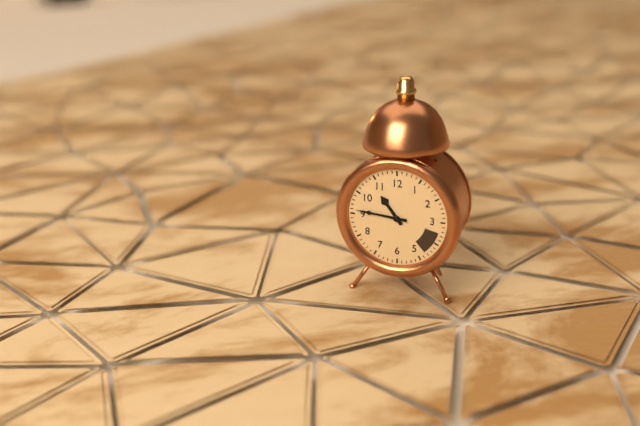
10:46
